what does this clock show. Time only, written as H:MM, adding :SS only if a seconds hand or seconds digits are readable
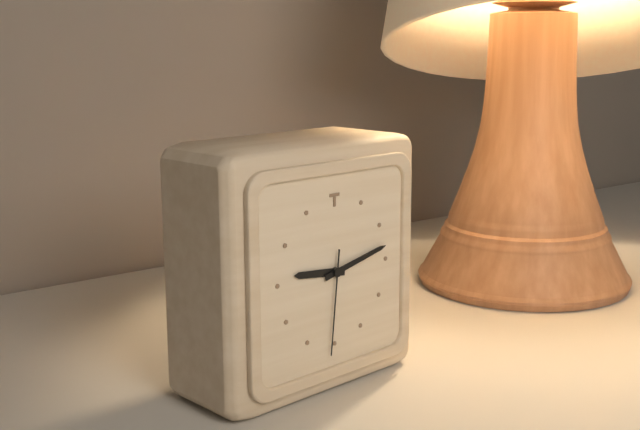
9:13:31
